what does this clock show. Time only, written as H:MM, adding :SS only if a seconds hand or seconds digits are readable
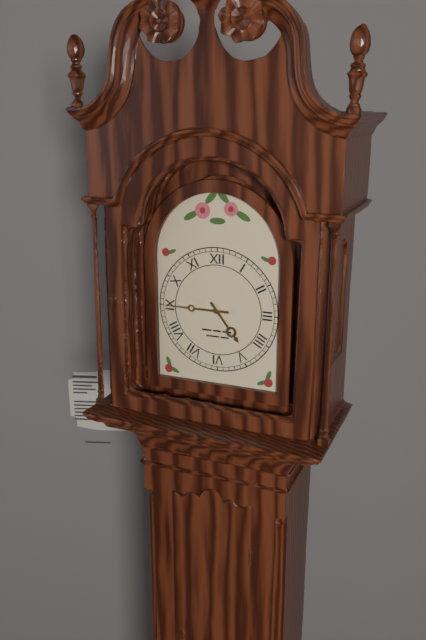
4:45
